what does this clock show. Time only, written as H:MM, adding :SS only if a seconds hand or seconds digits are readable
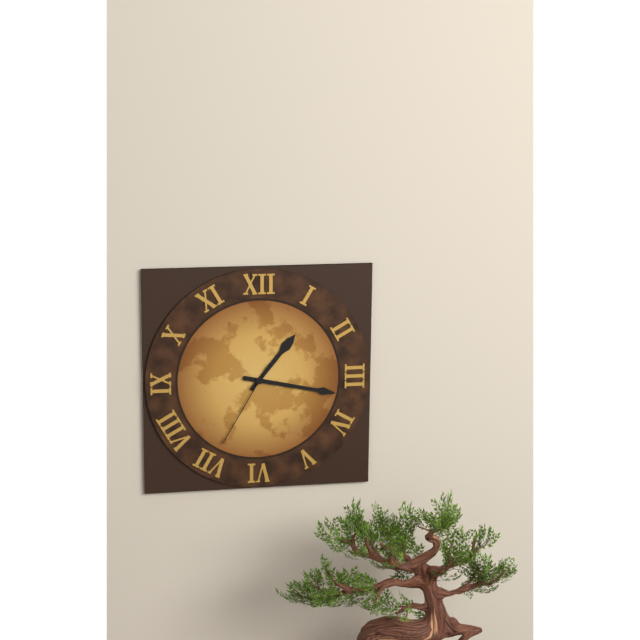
1:17:35
